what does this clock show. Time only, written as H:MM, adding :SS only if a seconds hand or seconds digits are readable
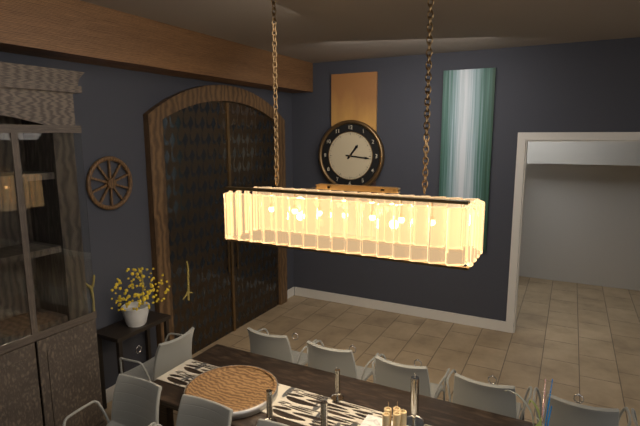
1:16
